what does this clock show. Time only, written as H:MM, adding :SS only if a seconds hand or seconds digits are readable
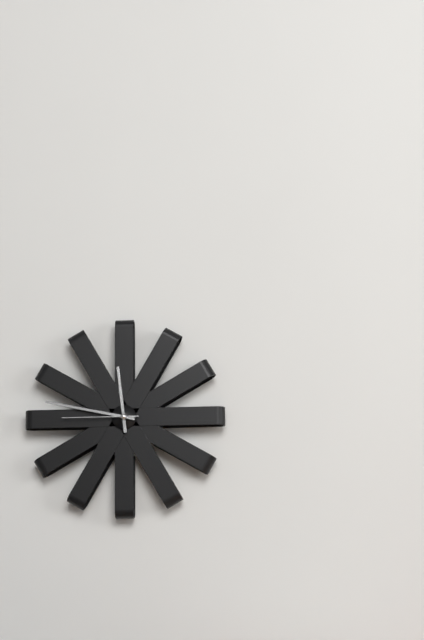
11:47:45
